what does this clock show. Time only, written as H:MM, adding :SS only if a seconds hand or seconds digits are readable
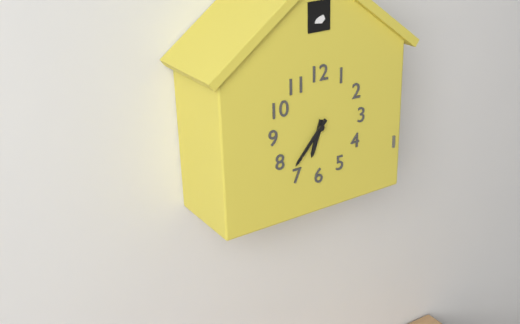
6:37
